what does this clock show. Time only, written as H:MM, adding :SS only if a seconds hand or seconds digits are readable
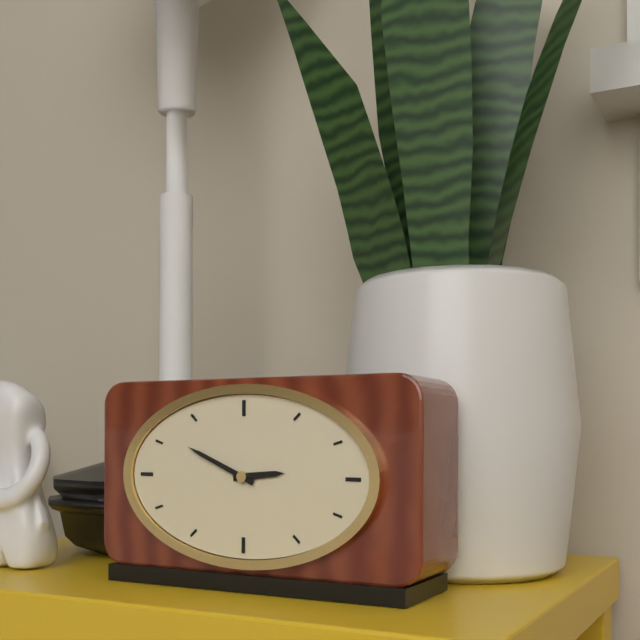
2:49
